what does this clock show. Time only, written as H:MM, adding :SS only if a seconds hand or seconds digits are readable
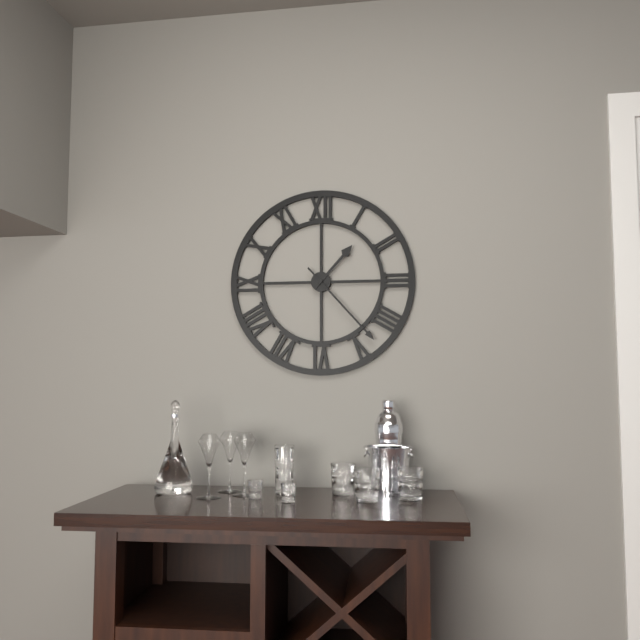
1:23
